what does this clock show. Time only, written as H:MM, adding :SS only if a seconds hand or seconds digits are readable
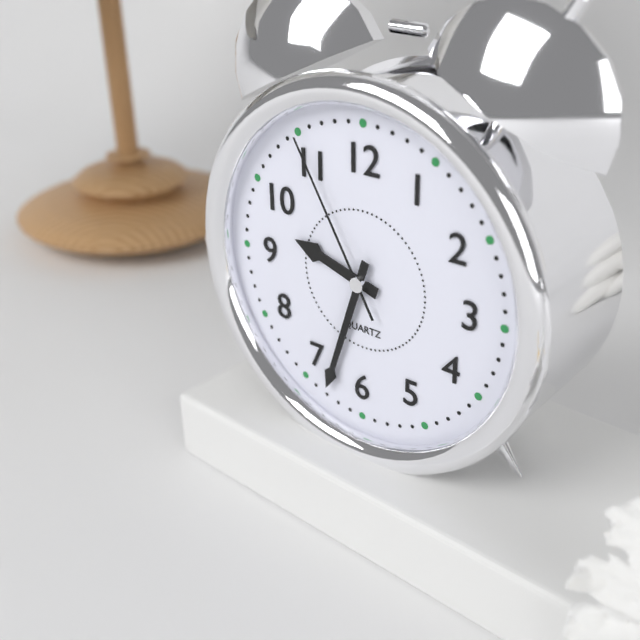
9:33:55
